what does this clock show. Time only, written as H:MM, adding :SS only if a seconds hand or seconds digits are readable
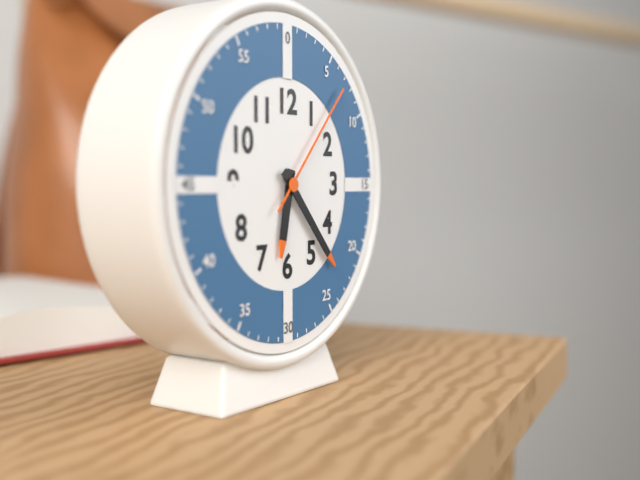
6:23:07
